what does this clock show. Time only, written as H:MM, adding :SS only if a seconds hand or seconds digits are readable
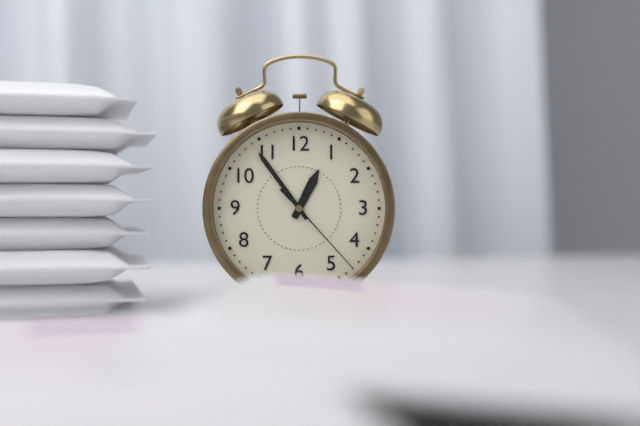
12:54:23
